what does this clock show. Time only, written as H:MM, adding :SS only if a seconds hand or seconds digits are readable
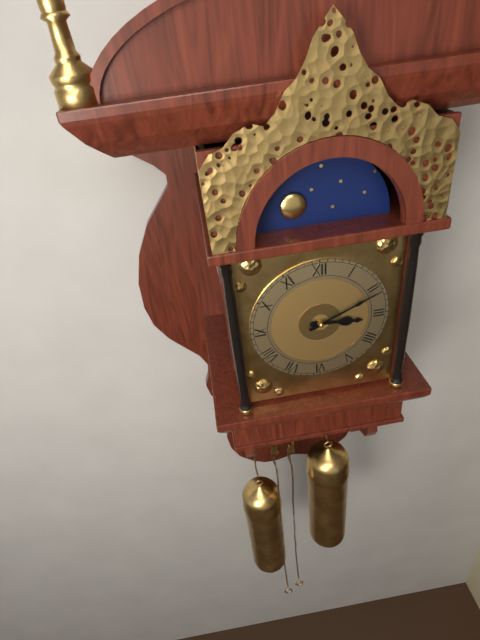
3:11
